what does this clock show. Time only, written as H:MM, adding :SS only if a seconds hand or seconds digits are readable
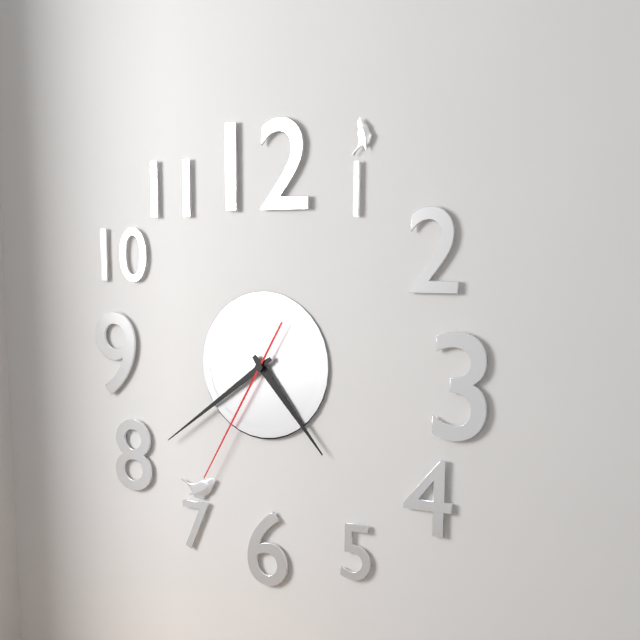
4:39:35
